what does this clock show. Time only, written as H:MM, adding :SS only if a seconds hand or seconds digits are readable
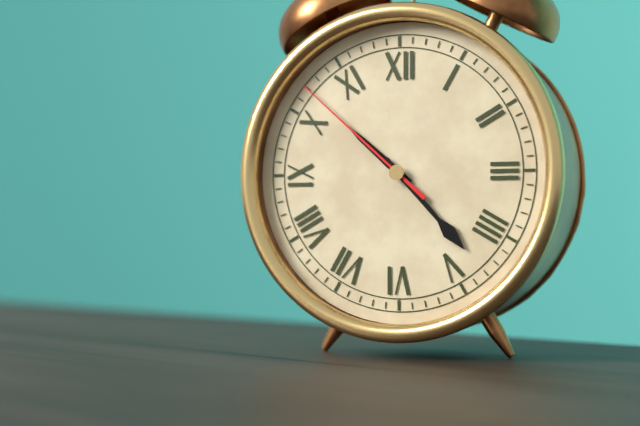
10:23:52
